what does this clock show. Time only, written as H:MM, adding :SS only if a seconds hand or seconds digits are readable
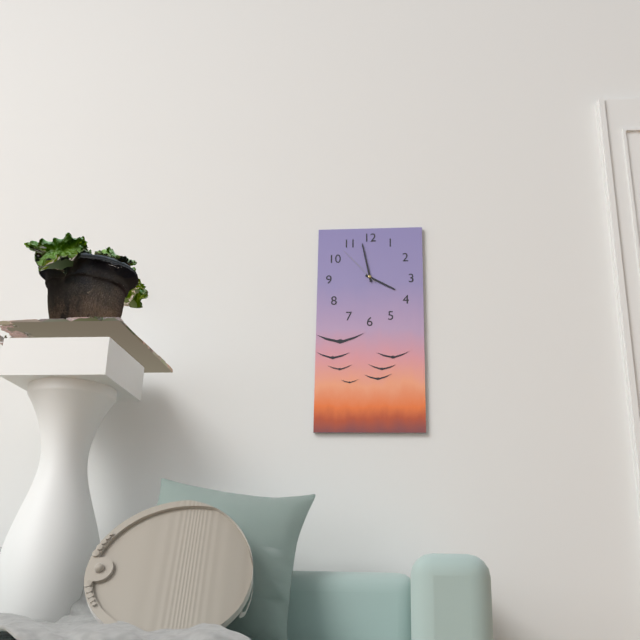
3:58
